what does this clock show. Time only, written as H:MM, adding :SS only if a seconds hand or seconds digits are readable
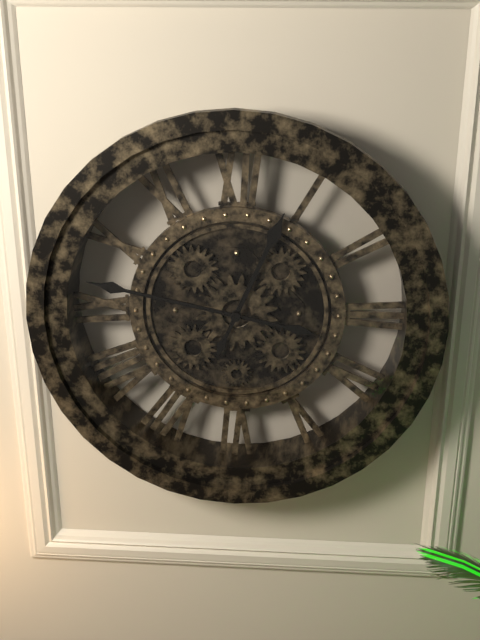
12:47
